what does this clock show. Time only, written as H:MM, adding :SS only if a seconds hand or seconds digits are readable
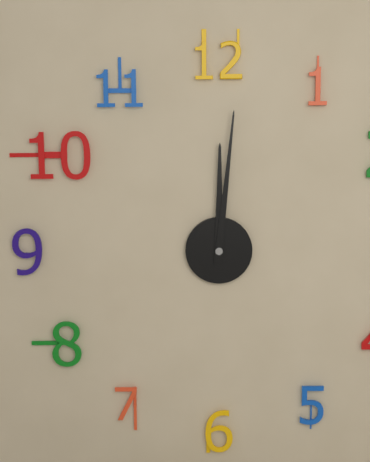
12:01
